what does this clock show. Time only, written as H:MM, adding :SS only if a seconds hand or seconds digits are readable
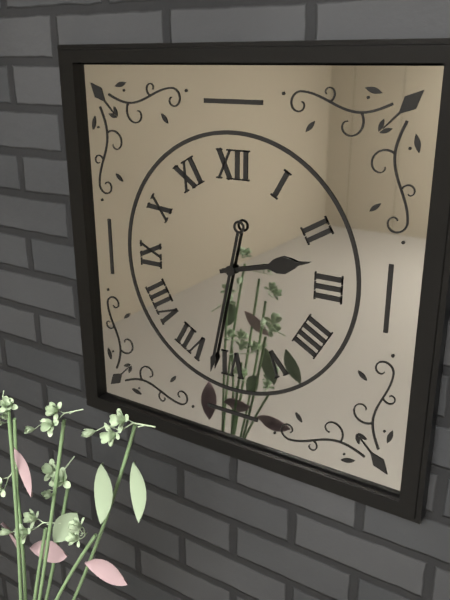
2:32
